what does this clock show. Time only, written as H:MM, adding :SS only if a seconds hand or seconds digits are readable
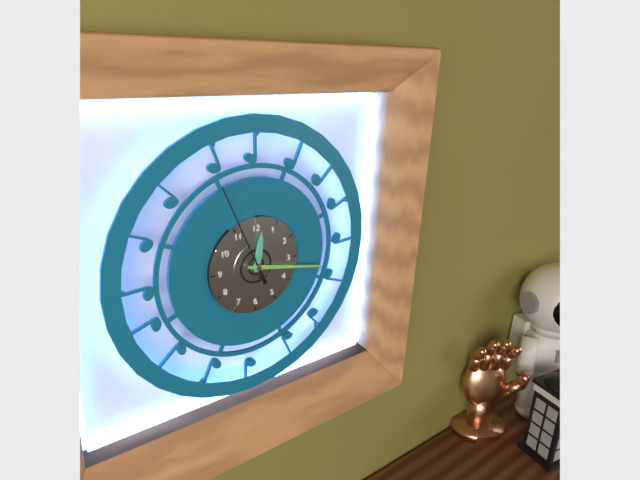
12:17:56
